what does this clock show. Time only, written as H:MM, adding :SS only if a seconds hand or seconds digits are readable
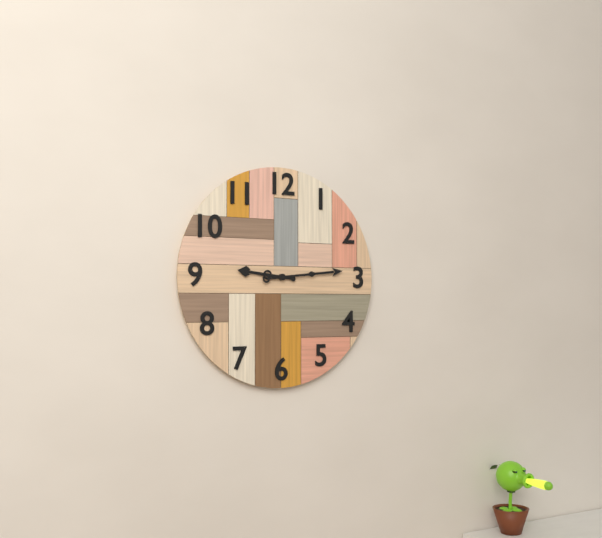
9:14
